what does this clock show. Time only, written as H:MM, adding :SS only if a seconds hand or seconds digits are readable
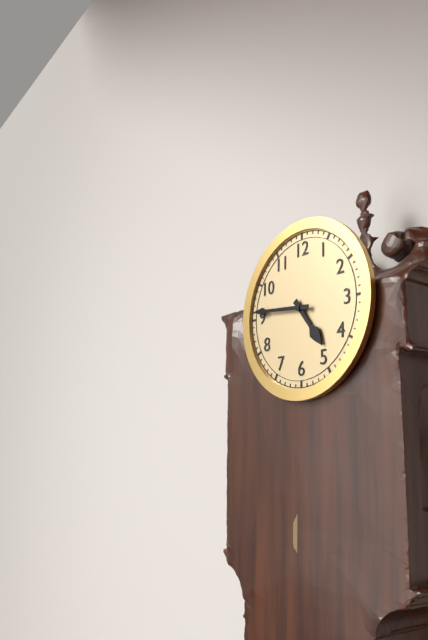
4:46
